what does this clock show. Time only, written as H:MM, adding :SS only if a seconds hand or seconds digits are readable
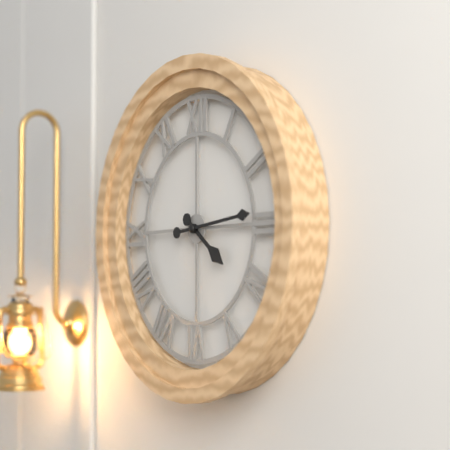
4:14
